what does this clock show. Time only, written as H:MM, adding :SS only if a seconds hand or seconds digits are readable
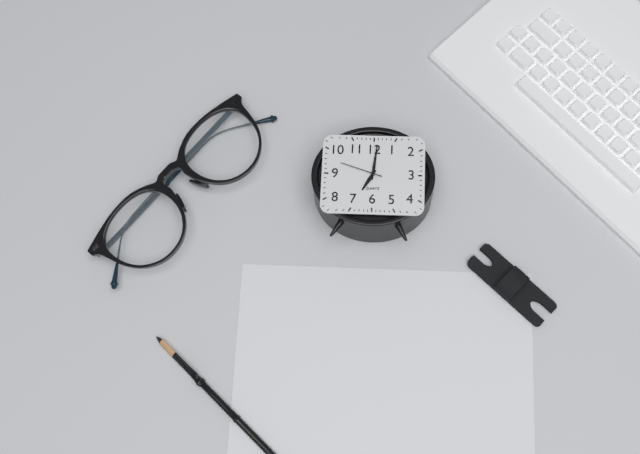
7:01
